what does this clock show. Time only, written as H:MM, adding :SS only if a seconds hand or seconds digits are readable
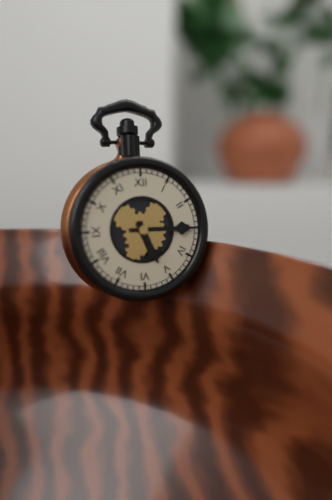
5:15
